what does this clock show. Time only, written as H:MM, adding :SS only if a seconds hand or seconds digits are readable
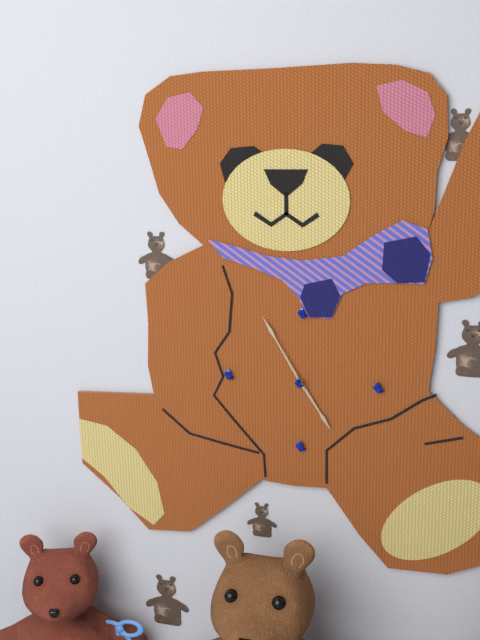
4:55
